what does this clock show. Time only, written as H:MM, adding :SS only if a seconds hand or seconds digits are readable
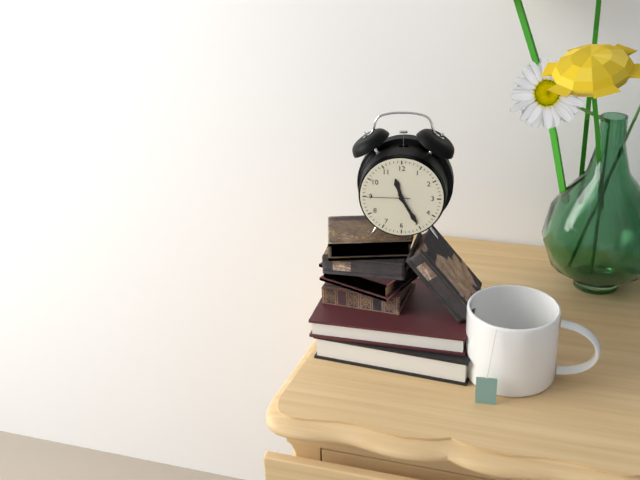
11:25
